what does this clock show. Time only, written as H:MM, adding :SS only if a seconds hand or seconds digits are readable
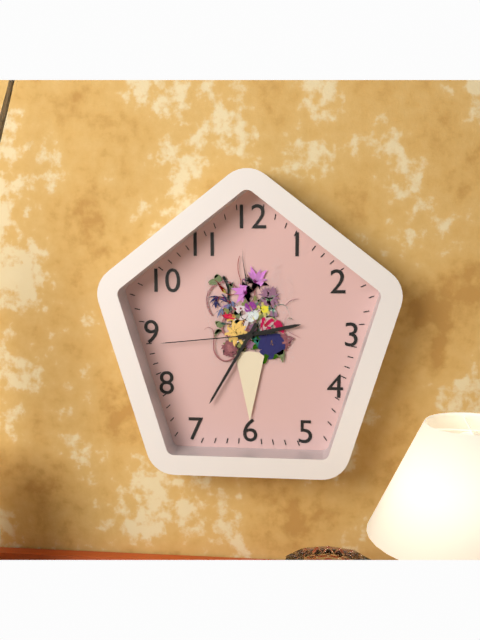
2:35:44
